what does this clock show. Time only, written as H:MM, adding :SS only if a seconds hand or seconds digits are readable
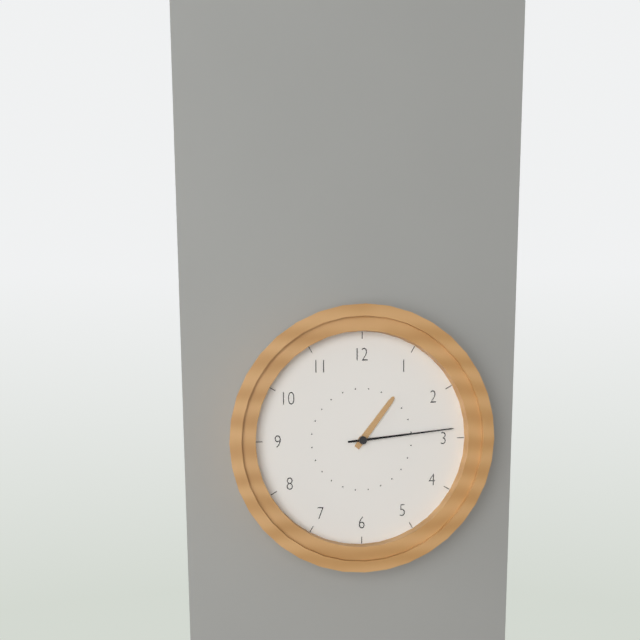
1:14
